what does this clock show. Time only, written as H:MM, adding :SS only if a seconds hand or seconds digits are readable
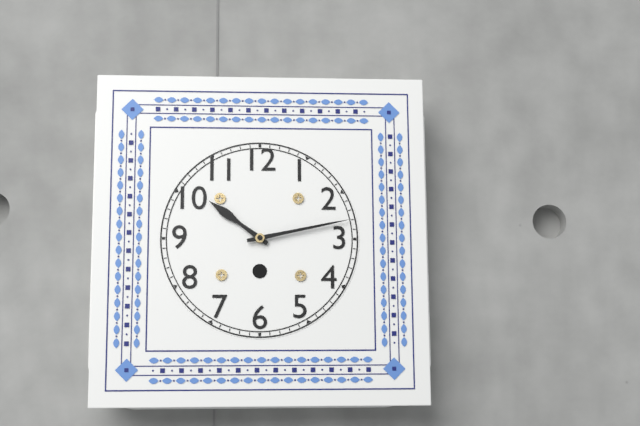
10:13
